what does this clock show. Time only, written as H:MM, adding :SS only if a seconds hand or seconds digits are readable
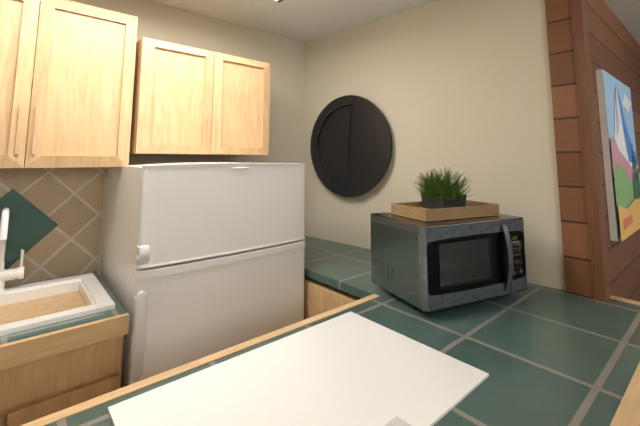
6:01
